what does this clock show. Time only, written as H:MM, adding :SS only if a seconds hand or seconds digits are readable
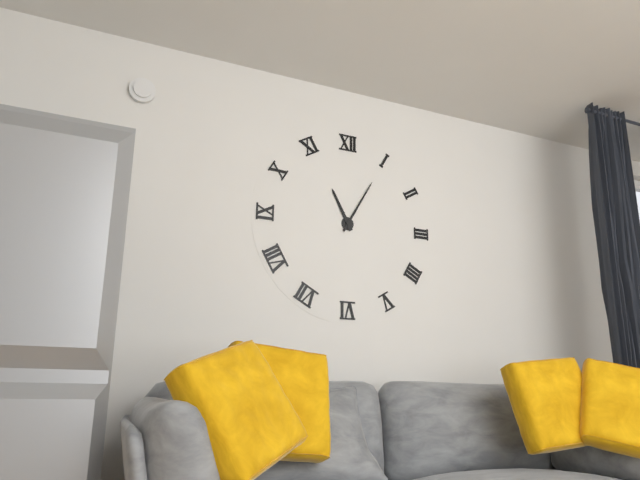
11:05
